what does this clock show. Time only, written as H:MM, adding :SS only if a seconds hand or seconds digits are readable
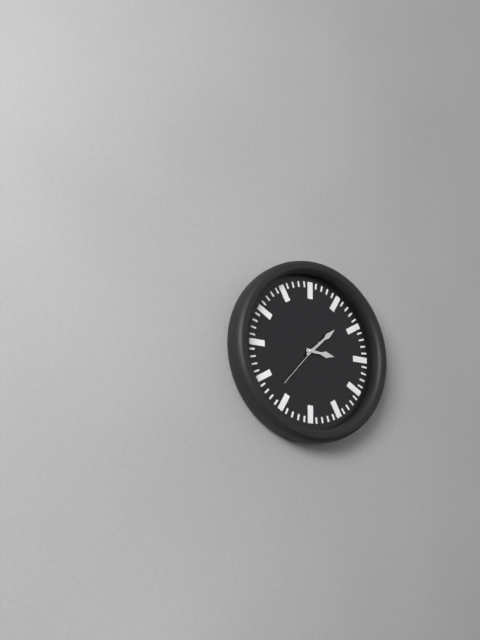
3:08:37
